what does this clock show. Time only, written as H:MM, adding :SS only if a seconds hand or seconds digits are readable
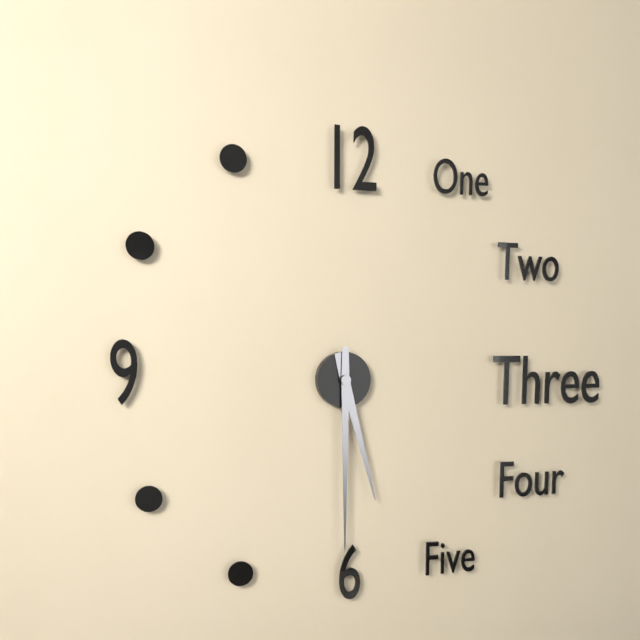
5:30
